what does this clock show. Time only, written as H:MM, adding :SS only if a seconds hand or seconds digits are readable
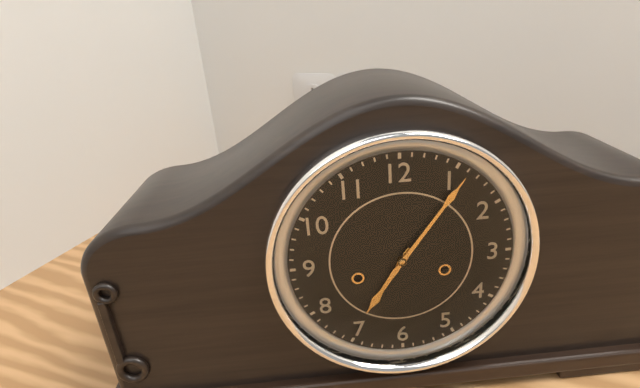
7:06
